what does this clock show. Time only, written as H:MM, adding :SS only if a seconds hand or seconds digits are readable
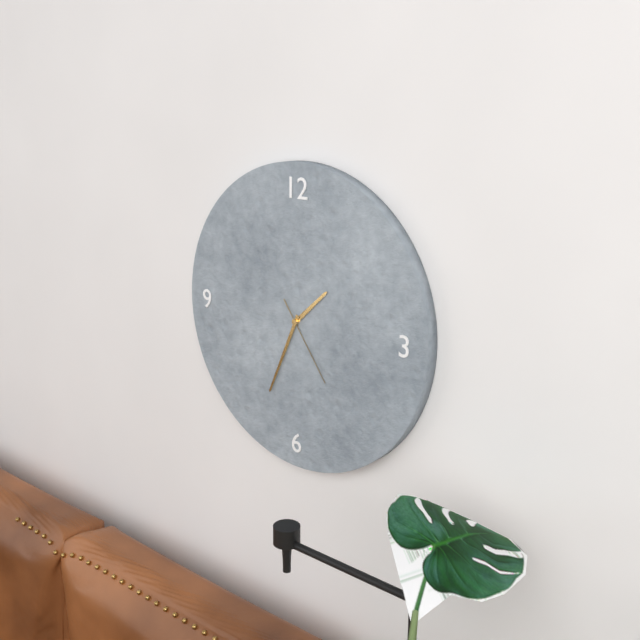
1:34:24
